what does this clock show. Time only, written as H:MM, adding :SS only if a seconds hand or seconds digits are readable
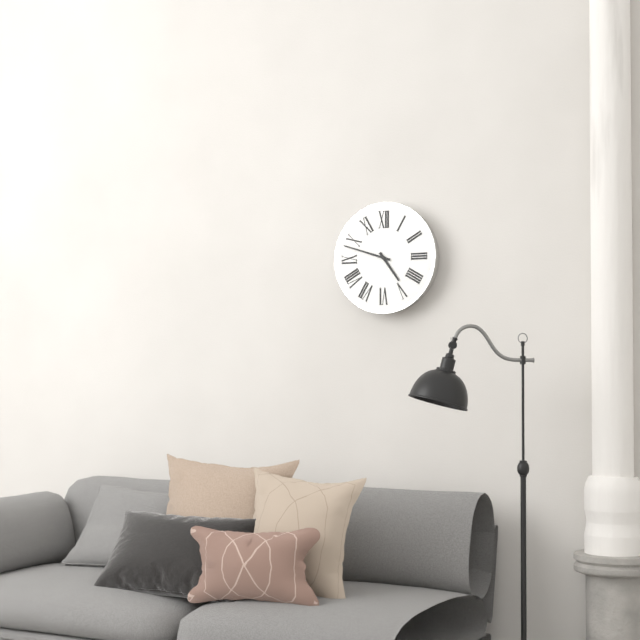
4:48
